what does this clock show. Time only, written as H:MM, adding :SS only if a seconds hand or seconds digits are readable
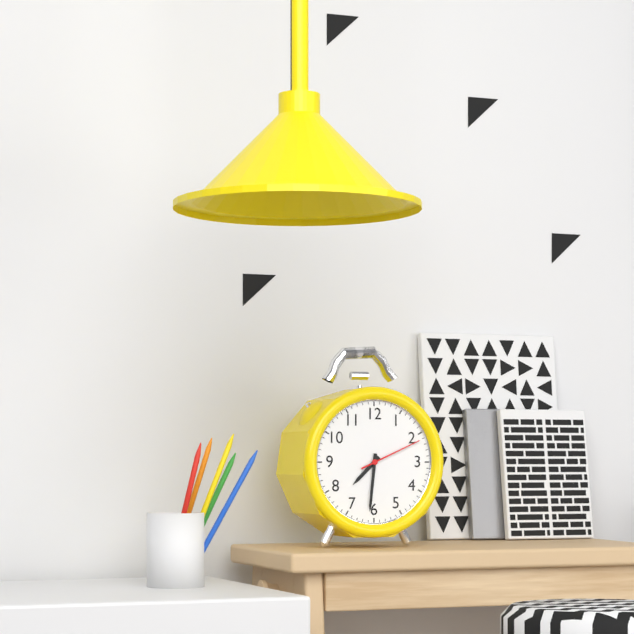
7:31:11
